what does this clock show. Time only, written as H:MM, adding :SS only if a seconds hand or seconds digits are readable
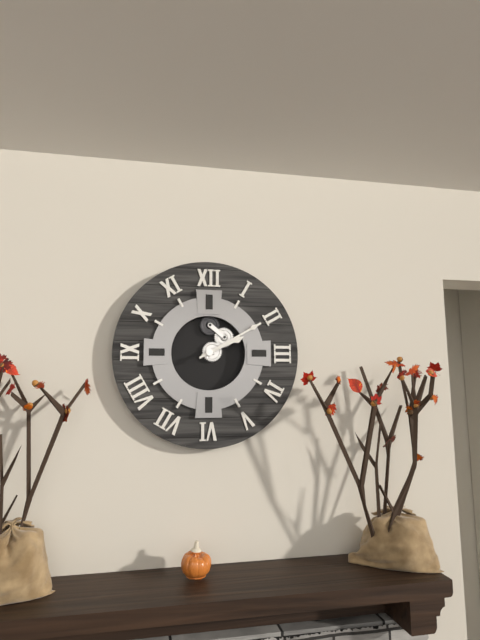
2:10
